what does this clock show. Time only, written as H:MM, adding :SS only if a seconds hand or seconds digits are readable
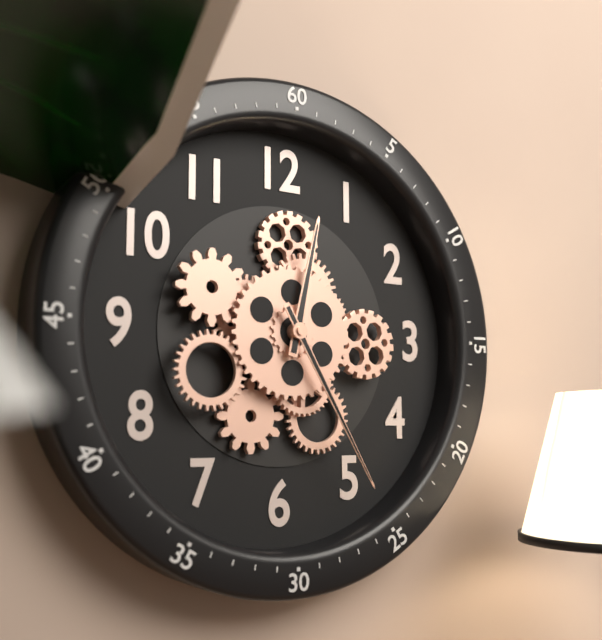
12:25
